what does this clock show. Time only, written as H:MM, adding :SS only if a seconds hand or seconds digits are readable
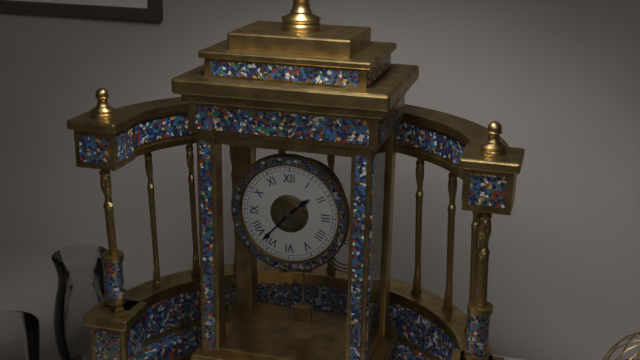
1:37
